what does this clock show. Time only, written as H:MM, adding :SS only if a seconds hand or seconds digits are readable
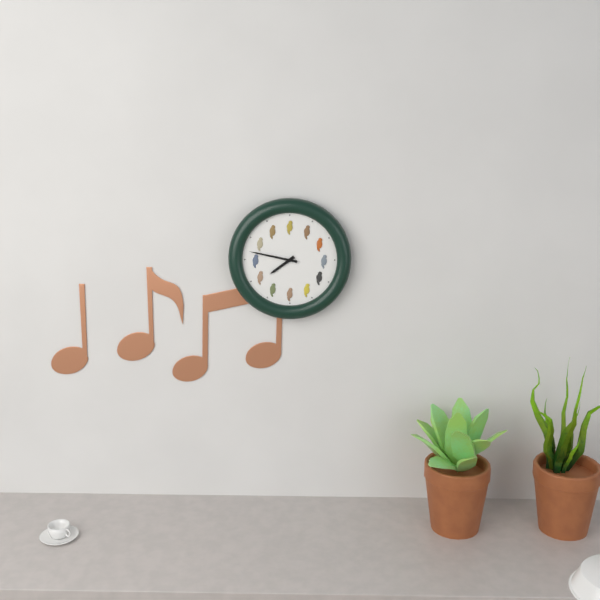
7:47
